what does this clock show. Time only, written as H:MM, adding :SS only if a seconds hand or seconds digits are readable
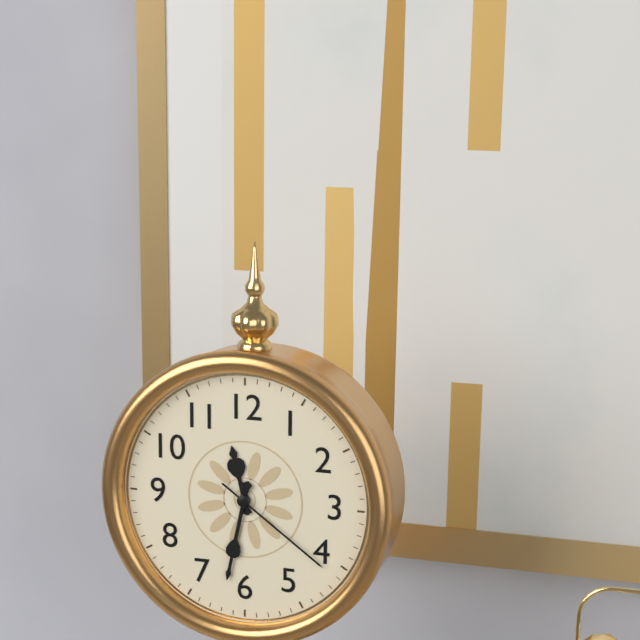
11:32:21
